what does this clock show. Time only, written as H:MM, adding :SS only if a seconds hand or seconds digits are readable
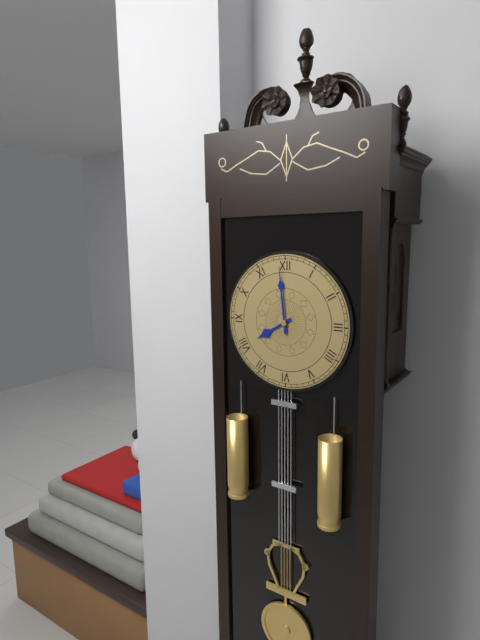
7:59
